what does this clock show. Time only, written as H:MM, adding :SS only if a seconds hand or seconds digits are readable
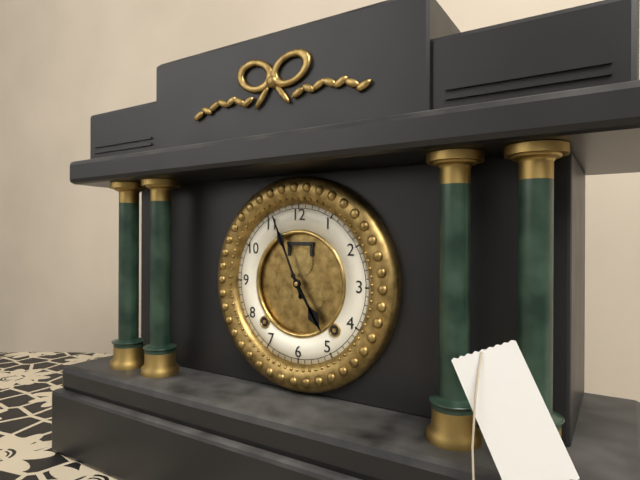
4:56
